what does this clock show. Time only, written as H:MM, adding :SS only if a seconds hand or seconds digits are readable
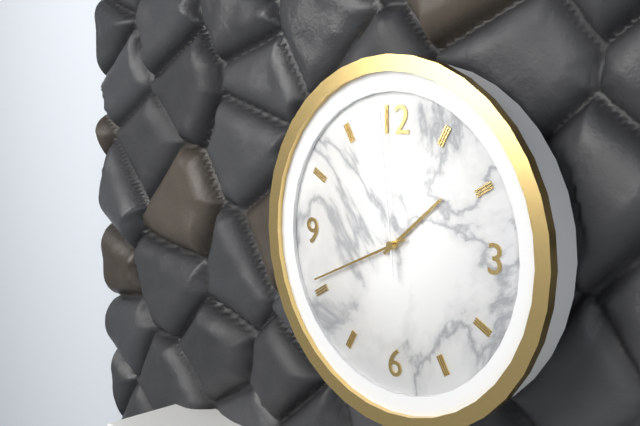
1:41:59
